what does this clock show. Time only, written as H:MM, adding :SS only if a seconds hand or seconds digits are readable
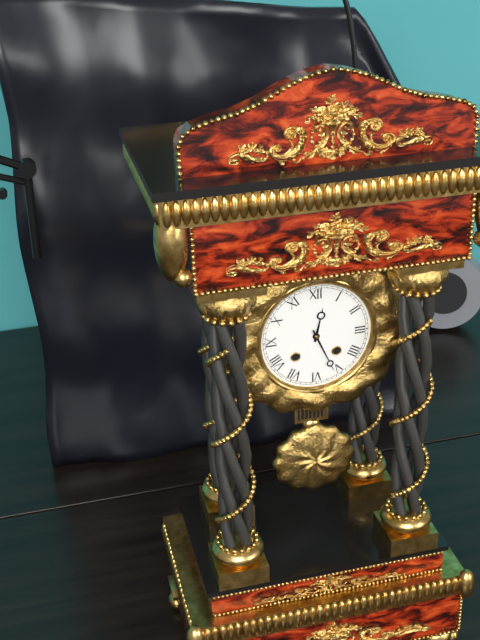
12:26
